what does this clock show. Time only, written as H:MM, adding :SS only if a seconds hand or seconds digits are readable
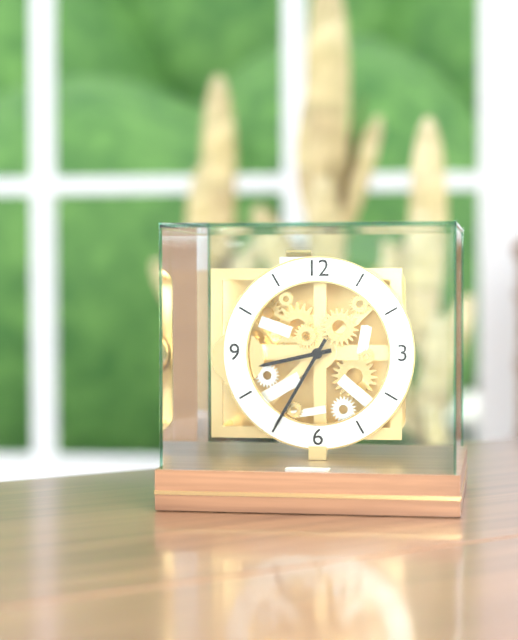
8:35
